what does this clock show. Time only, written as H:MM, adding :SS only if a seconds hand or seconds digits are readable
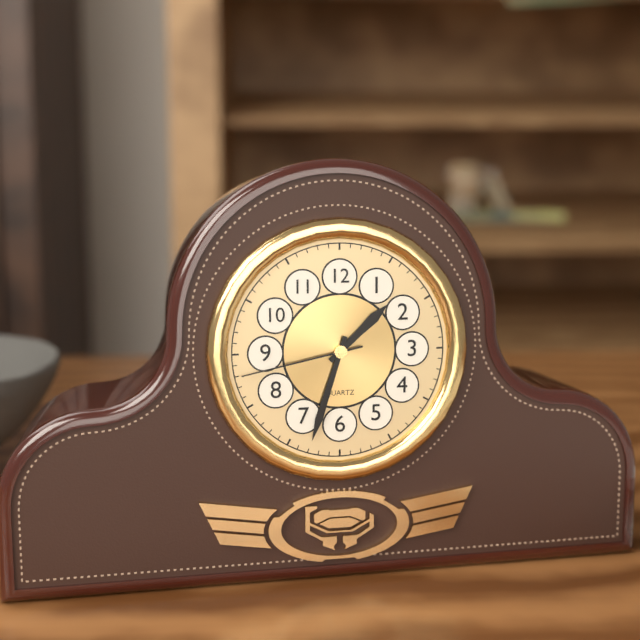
1:33:43
